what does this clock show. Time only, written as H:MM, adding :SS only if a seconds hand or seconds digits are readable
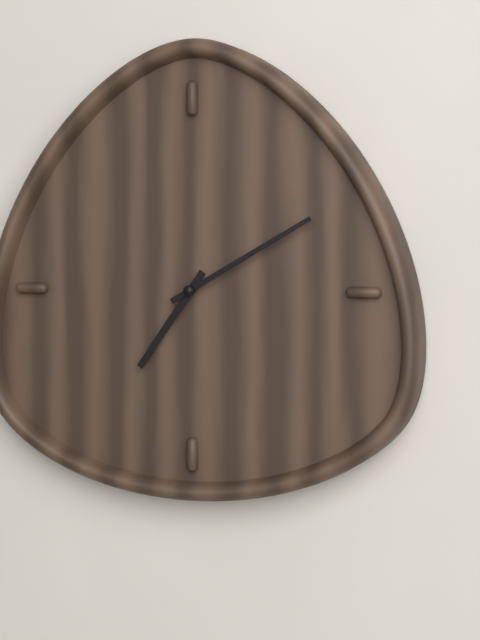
7:10
